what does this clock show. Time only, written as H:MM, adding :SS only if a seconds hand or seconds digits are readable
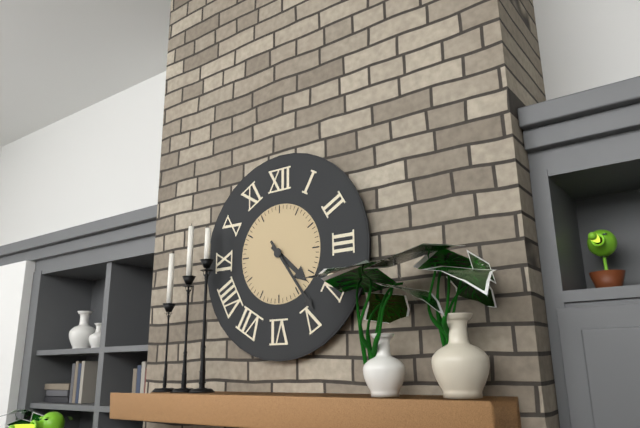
4:24
